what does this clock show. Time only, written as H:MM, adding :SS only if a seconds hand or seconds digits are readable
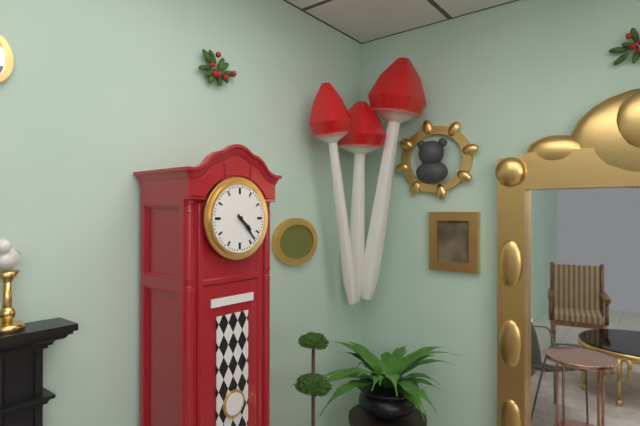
4:23
